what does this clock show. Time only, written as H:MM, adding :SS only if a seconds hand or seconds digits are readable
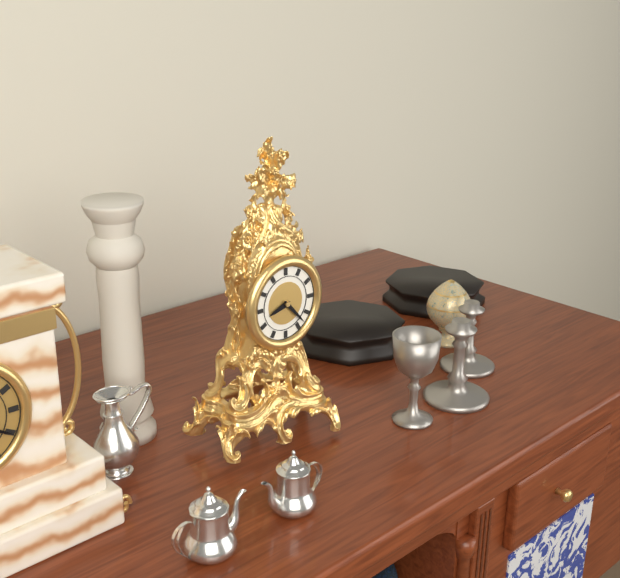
8:23
